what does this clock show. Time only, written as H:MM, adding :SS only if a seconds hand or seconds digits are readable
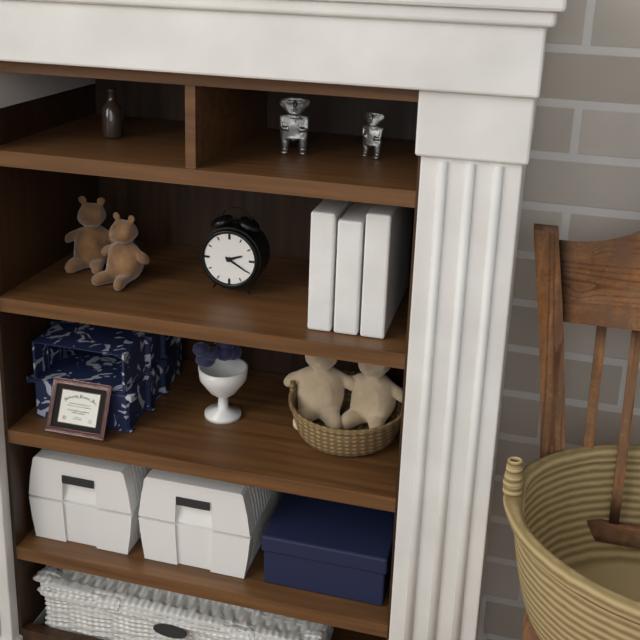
2:20
